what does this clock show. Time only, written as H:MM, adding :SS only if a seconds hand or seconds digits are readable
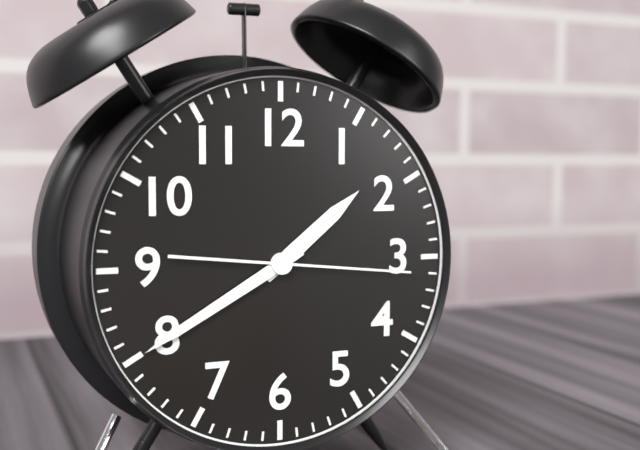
1:40:16
